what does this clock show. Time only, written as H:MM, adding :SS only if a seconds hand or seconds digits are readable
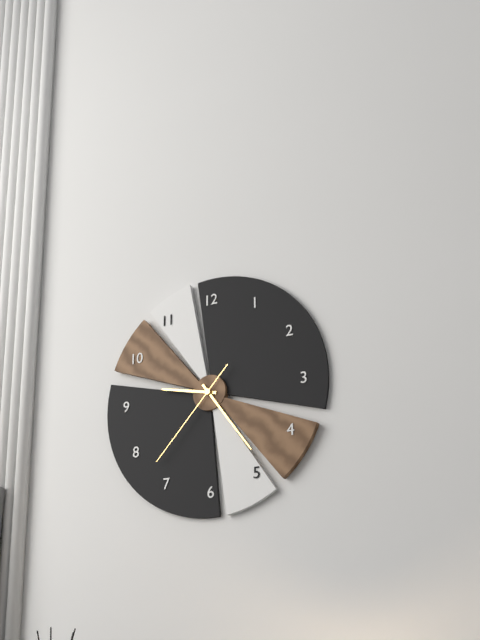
9:24:37
